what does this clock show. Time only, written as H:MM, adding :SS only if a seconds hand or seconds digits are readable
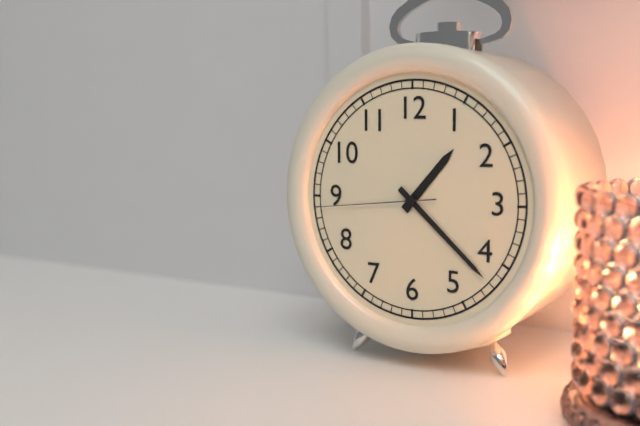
1:22:44
